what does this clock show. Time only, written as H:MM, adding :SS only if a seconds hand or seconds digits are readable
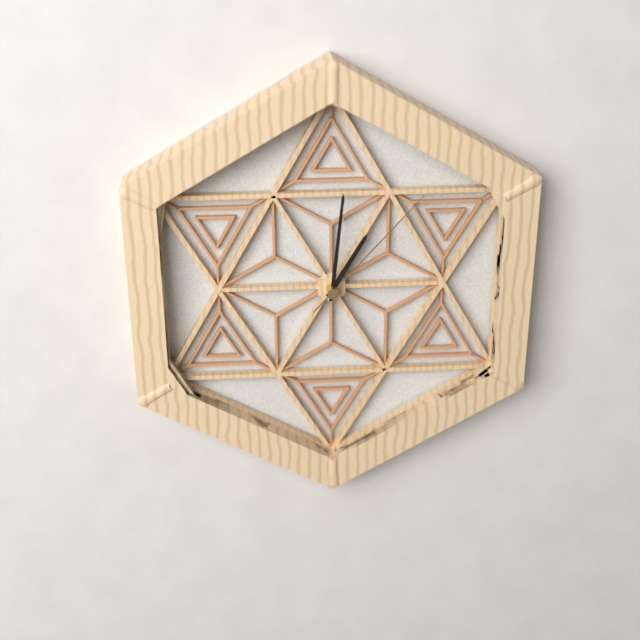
1:01:07
